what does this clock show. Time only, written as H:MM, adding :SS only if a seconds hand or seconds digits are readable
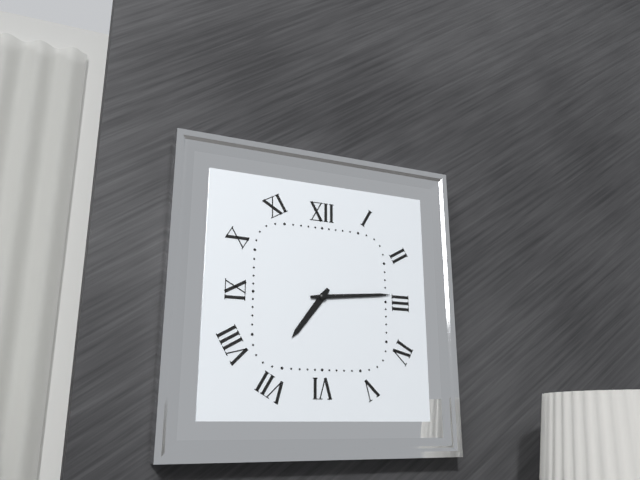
7:14
